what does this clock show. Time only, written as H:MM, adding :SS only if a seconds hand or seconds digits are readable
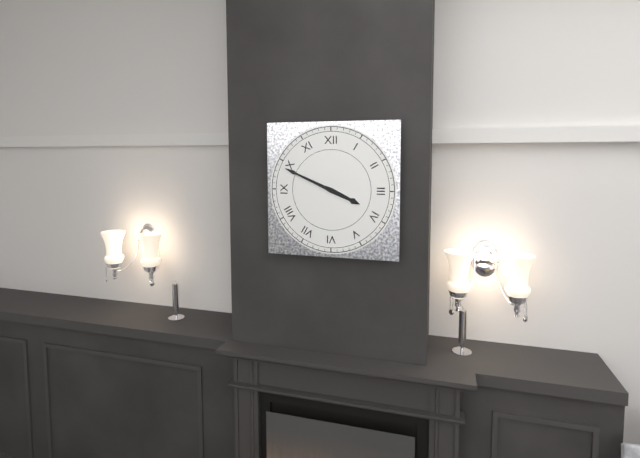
3:49
